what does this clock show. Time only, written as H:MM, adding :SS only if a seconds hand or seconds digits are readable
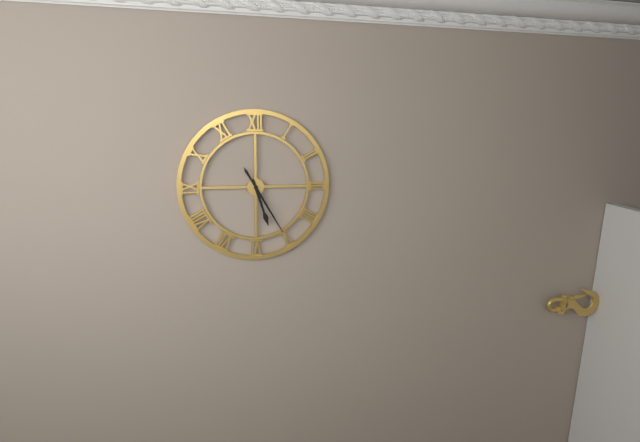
5:25
